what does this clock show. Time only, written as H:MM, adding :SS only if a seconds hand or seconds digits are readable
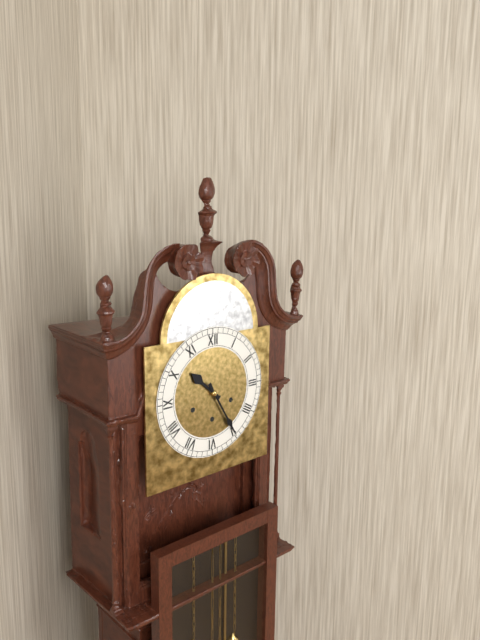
10:25
